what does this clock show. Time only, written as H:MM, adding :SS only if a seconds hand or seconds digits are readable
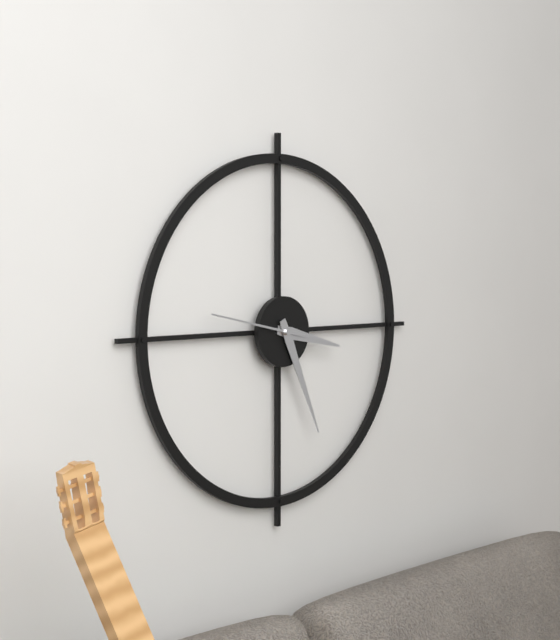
3:26:47
